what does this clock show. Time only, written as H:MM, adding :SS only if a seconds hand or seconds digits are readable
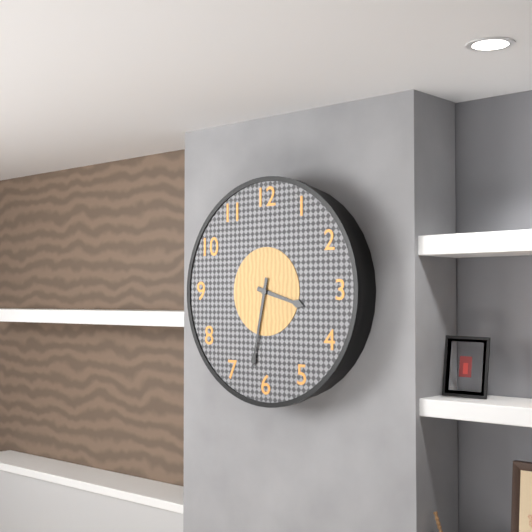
3:32
